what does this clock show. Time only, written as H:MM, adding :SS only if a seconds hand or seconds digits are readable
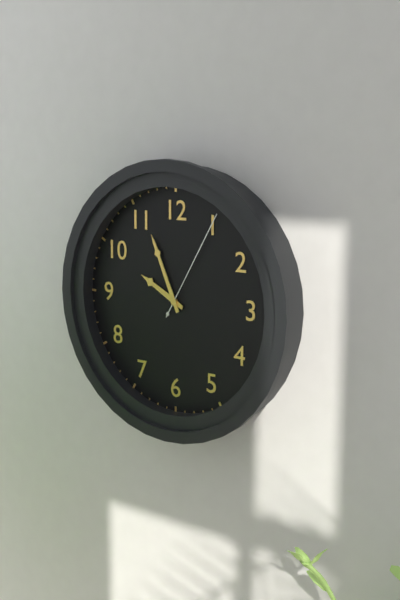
9:56:05
